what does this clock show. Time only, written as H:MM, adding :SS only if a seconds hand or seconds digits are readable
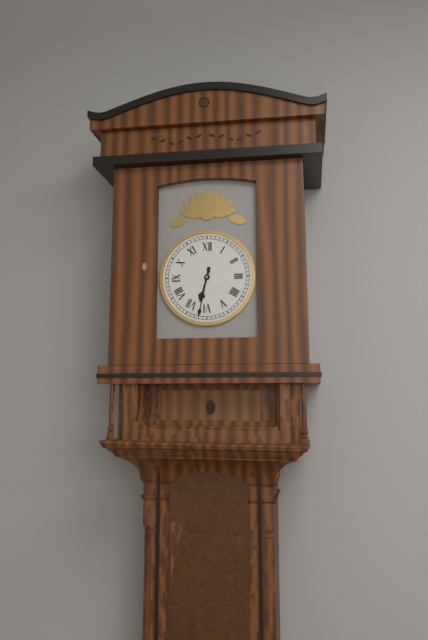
6:32
